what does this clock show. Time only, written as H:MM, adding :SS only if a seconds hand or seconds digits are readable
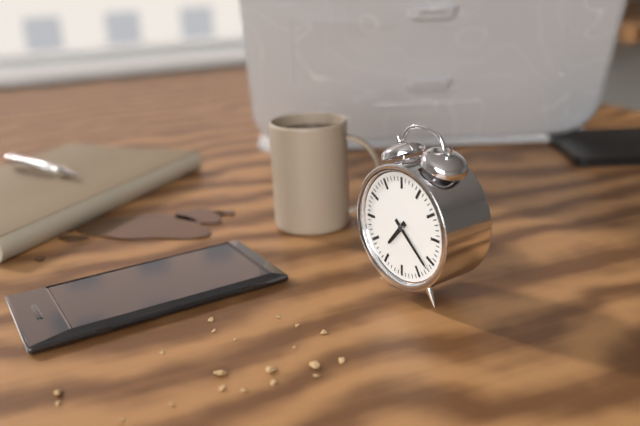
7:22
